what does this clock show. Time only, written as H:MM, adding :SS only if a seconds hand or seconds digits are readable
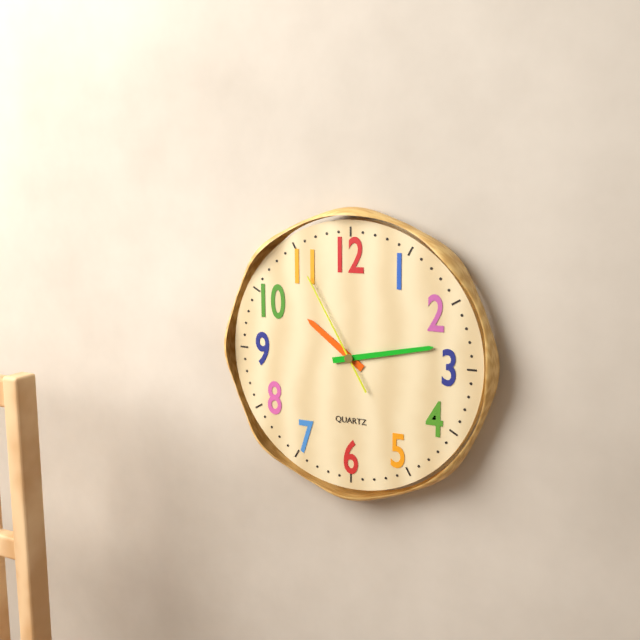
10:13:55
